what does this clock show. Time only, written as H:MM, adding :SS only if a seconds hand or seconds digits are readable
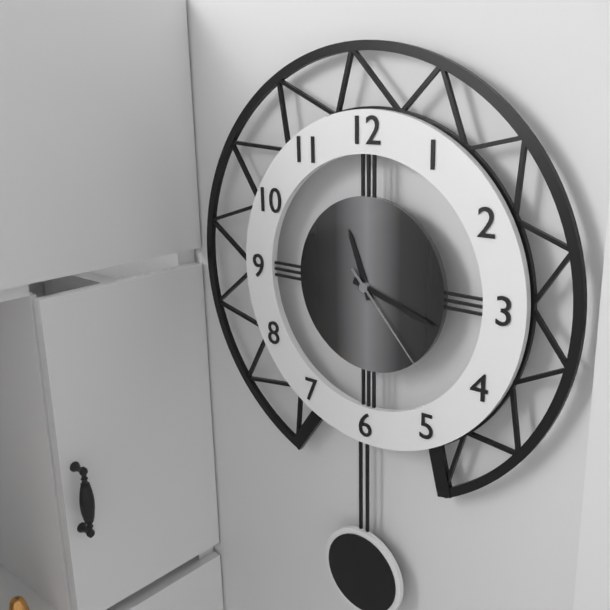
11:18:23
